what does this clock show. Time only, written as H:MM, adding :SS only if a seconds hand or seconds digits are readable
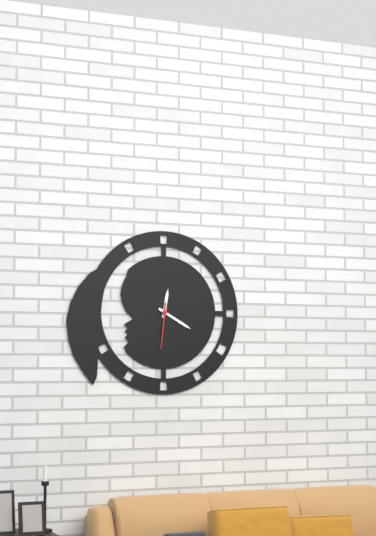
12:20
